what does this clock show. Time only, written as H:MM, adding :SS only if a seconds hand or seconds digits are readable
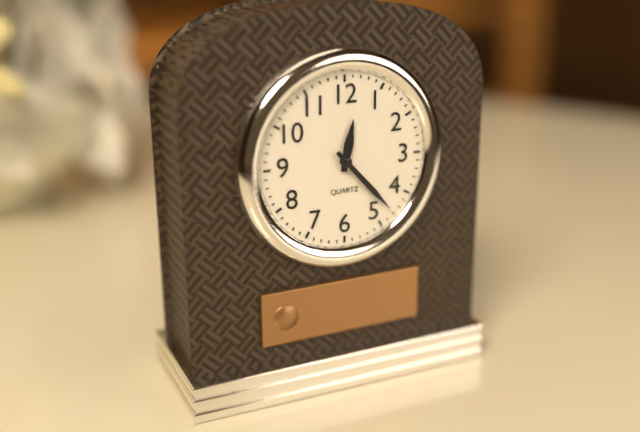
12:23
